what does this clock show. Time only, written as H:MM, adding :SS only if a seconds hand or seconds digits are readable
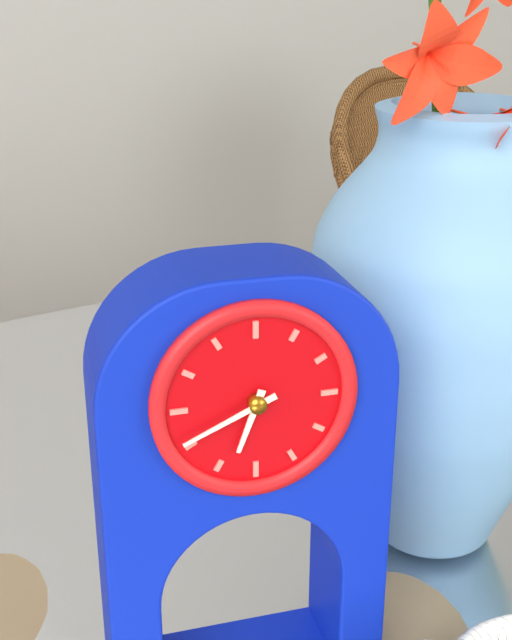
6:41
